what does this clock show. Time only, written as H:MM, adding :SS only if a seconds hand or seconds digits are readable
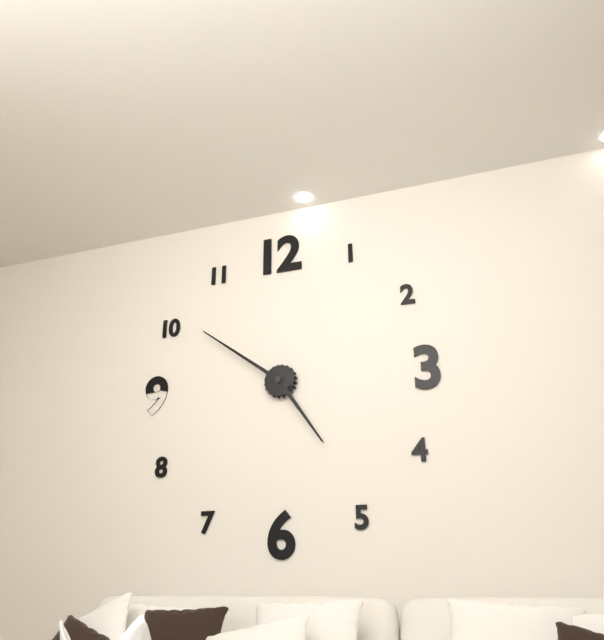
4:51
